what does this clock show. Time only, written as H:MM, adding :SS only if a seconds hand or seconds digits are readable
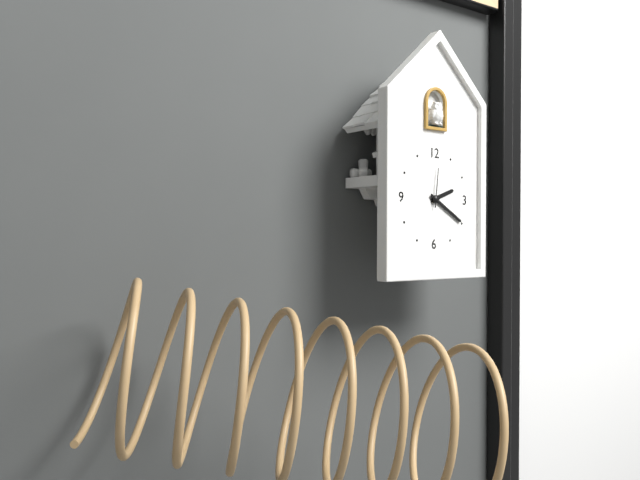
2:20:01
